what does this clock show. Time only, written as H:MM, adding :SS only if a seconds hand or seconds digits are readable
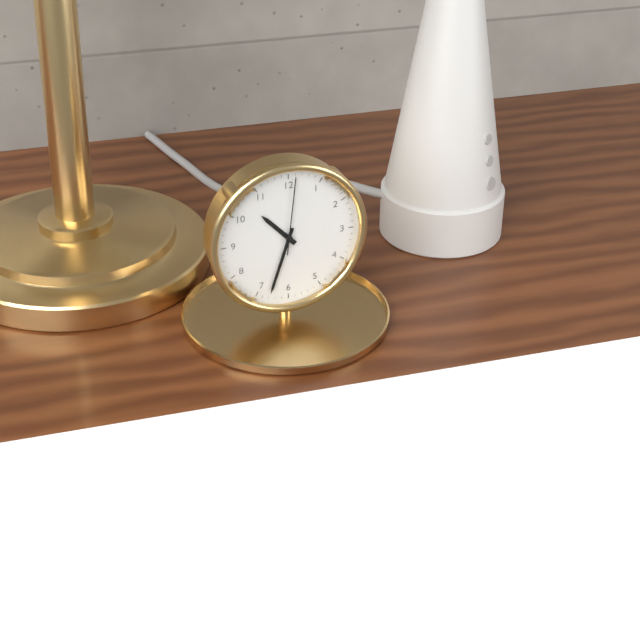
10:33:01
